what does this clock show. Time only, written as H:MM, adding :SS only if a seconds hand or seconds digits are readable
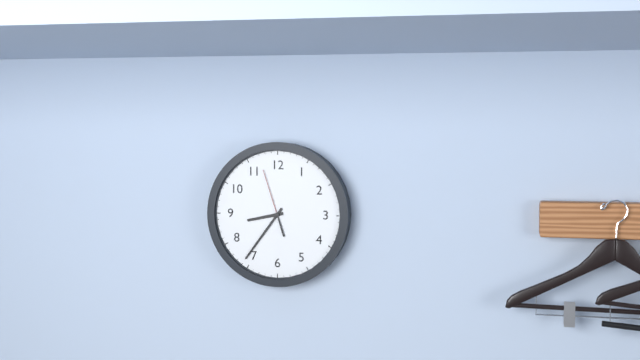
8:36:57
